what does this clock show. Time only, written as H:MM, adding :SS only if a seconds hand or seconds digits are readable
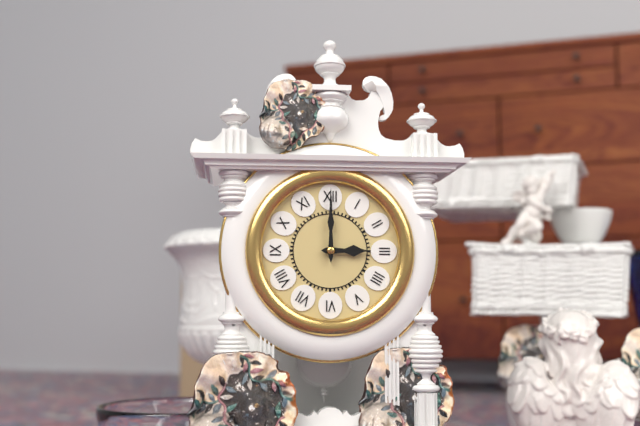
3:00
